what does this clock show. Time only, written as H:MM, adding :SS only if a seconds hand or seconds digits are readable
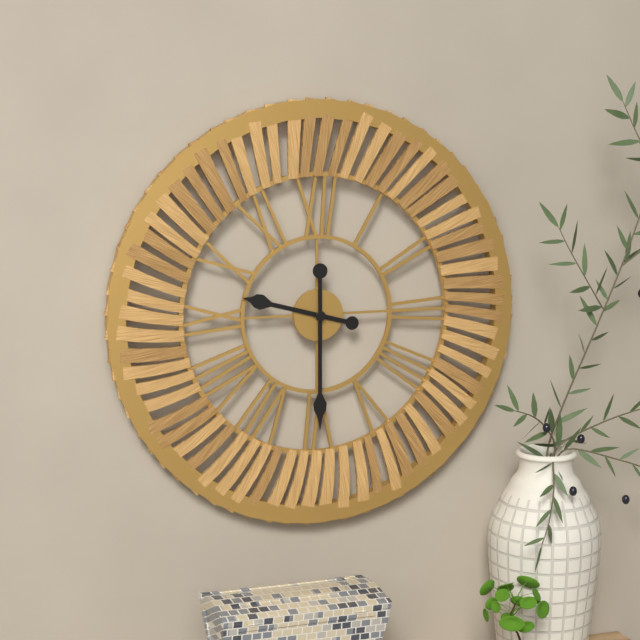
9:30
